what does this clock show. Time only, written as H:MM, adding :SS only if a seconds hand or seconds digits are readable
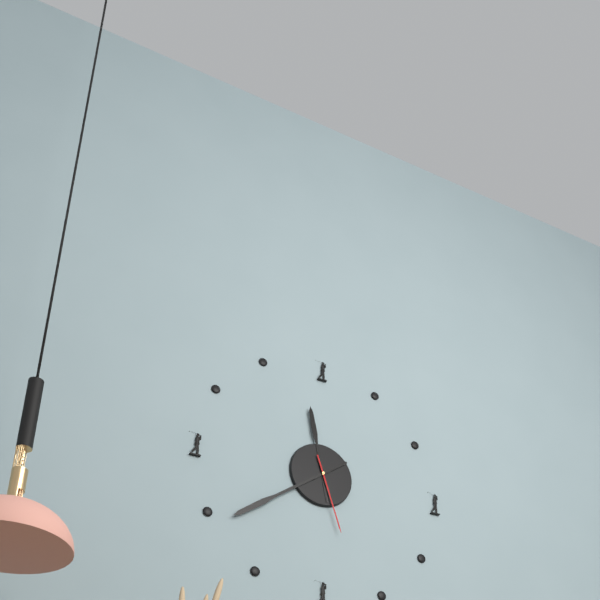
11:39:27
